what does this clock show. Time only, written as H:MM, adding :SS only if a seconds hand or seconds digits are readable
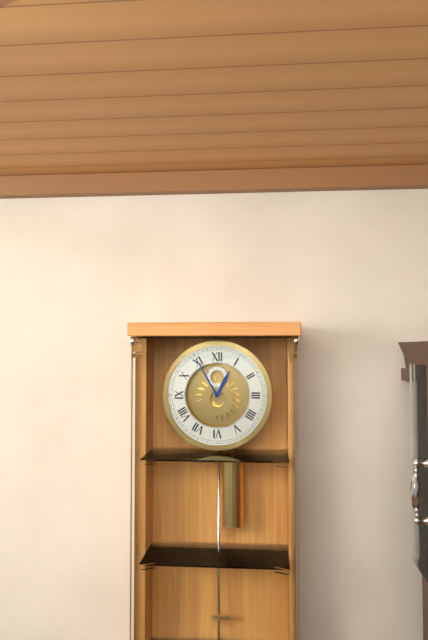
12:55
